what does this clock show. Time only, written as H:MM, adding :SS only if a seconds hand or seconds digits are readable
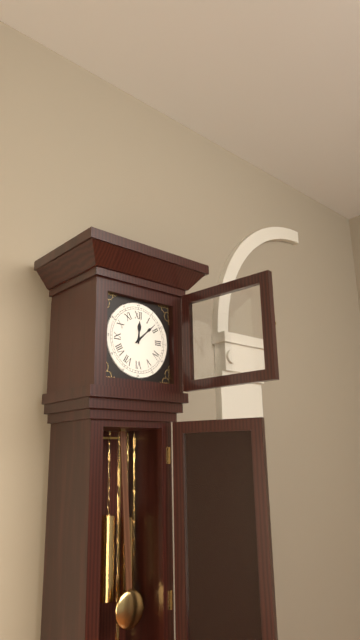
12:08
